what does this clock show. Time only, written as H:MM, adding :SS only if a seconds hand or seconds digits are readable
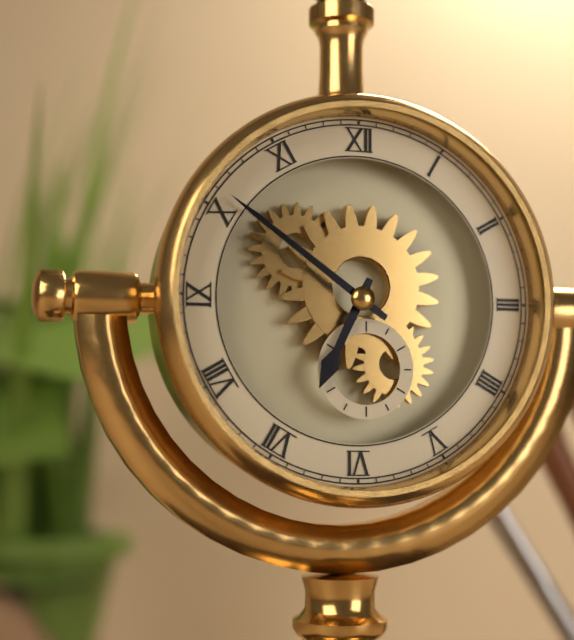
6:51
